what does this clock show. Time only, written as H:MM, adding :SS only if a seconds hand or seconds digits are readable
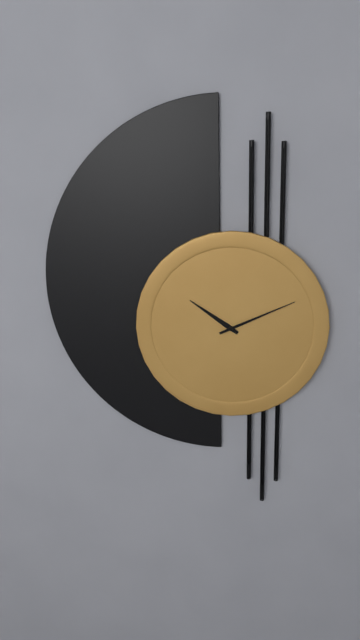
10:11
